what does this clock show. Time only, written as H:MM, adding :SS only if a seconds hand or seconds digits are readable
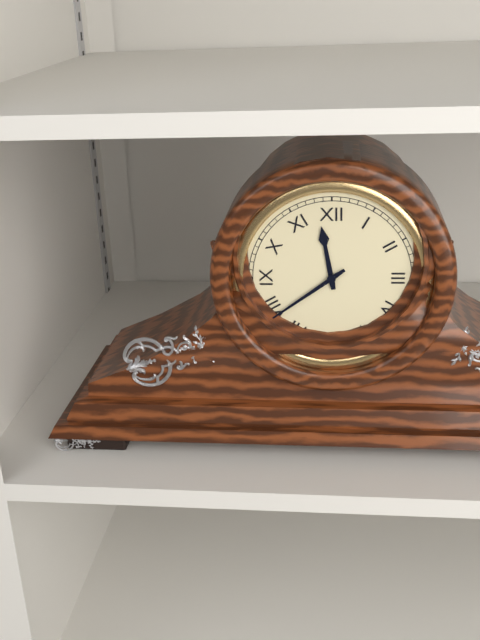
11:39
